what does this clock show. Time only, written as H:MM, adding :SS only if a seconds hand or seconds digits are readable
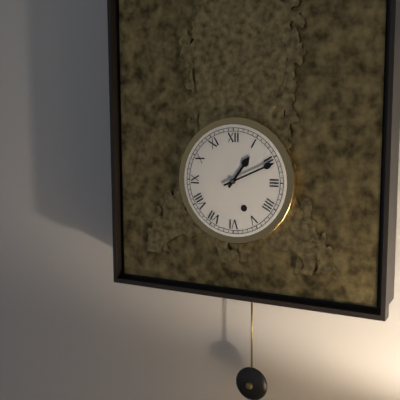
1:11
